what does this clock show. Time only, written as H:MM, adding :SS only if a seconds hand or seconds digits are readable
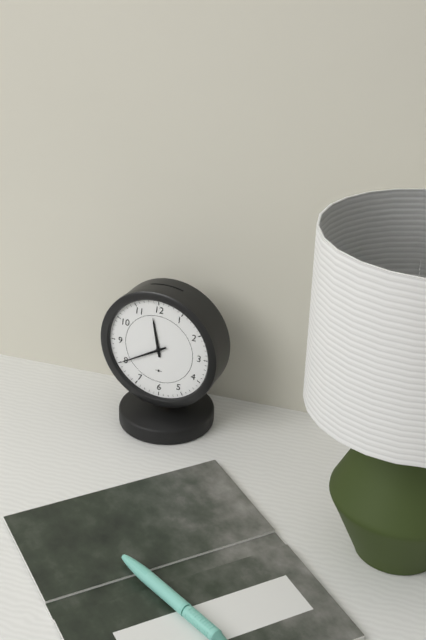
11:40
